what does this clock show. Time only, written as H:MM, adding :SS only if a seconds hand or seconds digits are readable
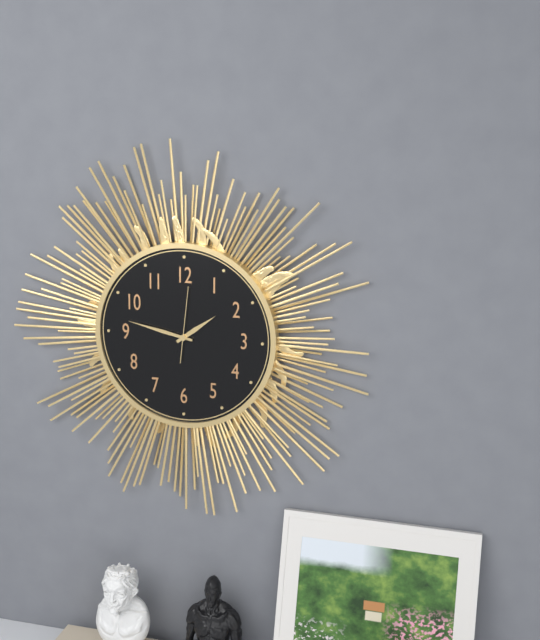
1:47:01
